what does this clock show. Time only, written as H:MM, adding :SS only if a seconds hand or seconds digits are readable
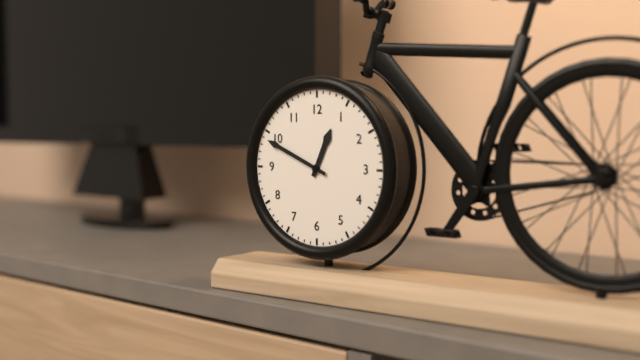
12:49
